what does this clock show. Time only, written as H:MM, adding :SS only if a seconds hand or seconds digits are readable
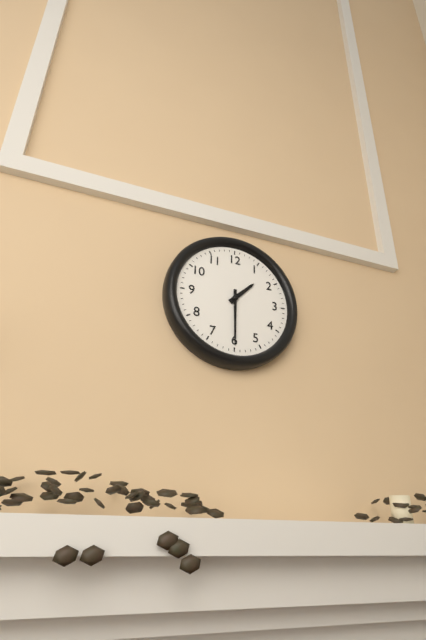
1:30
